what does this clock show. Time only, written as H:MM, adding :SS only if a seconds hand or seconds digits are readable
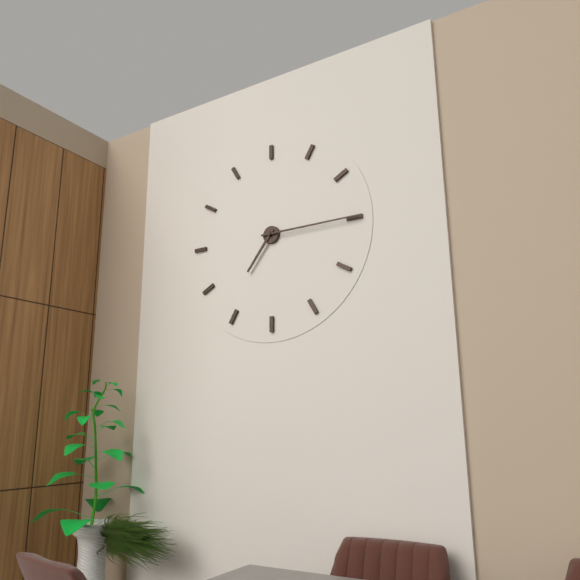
7:15
